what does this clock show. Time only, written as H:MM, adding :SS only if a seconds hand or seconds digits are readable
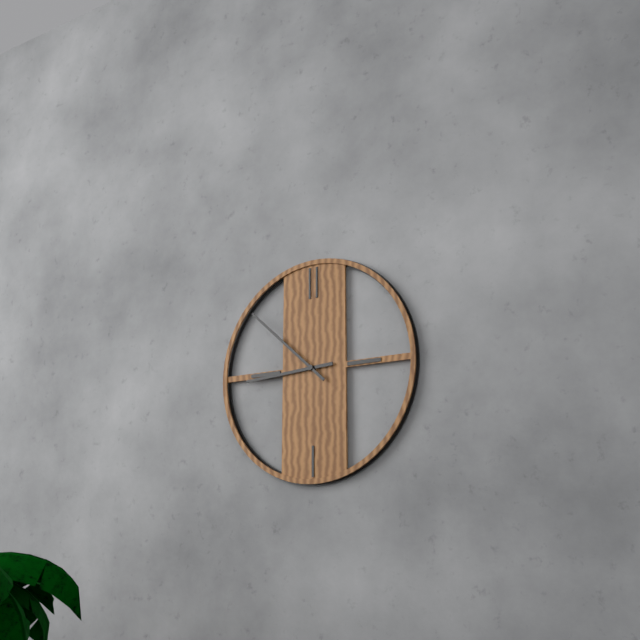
8:52
